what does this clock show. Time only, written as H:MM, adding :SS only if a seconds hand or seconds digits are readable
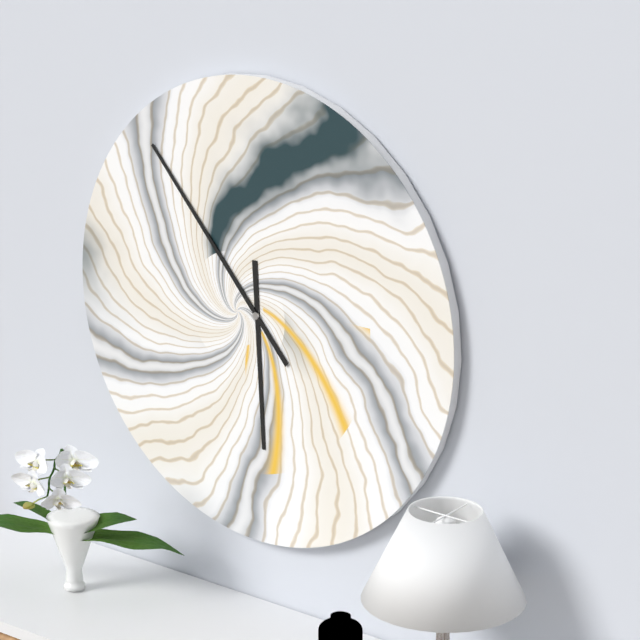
5:53
